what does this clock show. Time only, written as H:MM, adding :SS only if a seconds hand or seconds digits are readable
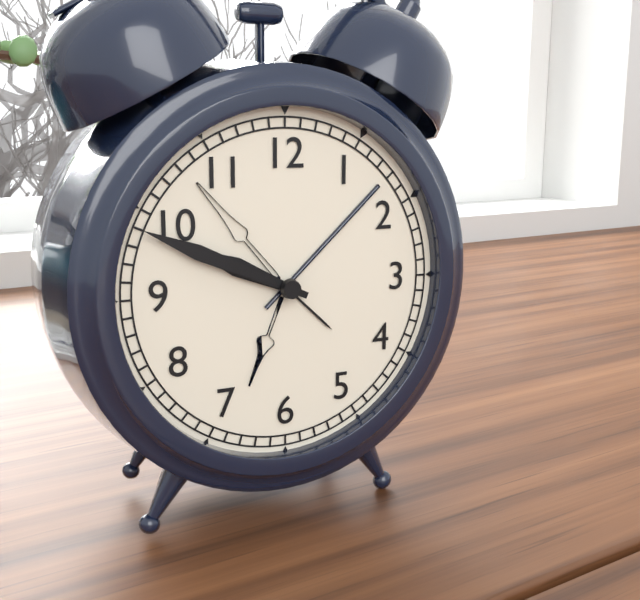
9:49
